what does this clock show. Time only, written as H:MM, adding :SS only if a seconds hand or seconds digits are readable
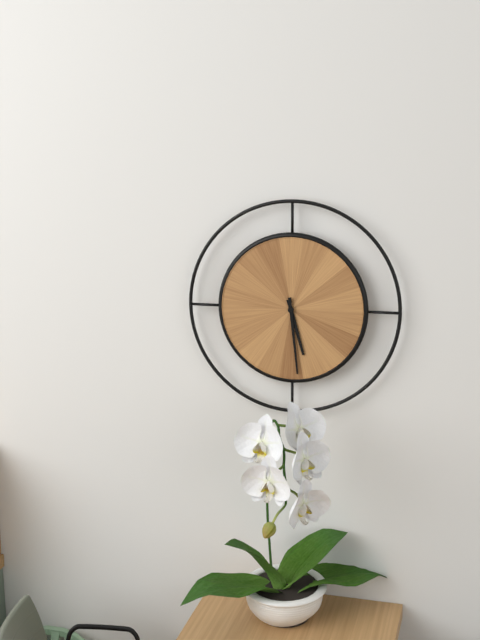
5:29
